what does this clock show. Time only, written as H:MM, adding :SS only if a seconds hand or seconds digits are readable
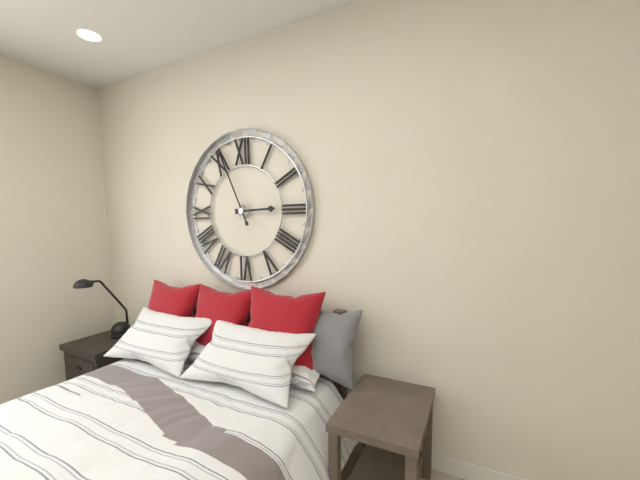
2:56
